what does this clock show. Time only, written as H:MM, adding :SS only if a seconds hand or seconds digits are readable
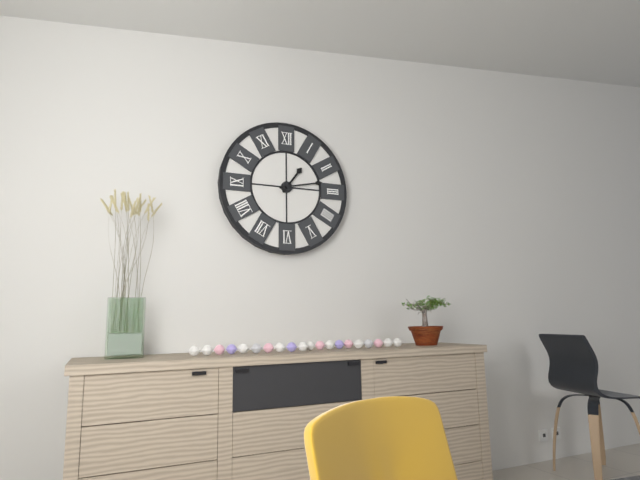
1:13
